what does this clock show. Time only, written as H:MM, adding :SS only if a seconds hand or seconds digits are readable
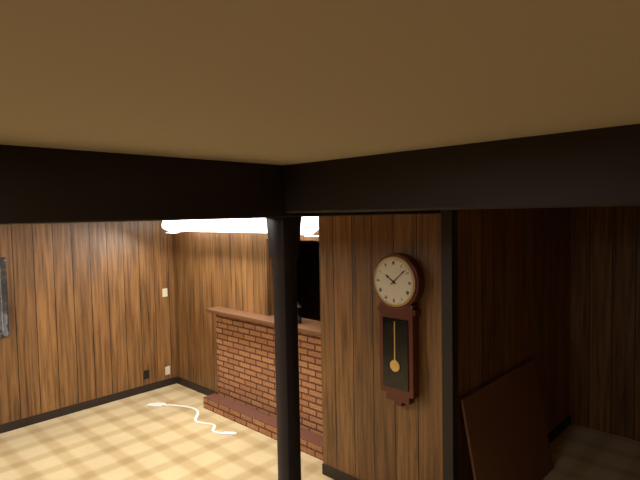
10:08
